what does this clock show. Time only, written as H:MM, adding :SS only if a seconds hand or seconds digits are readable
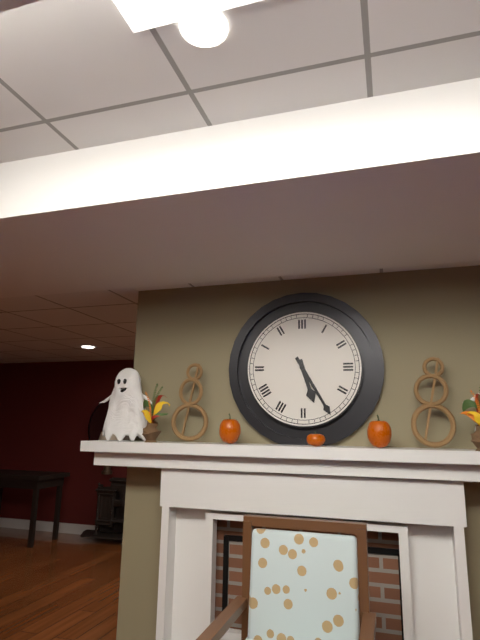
5:25
